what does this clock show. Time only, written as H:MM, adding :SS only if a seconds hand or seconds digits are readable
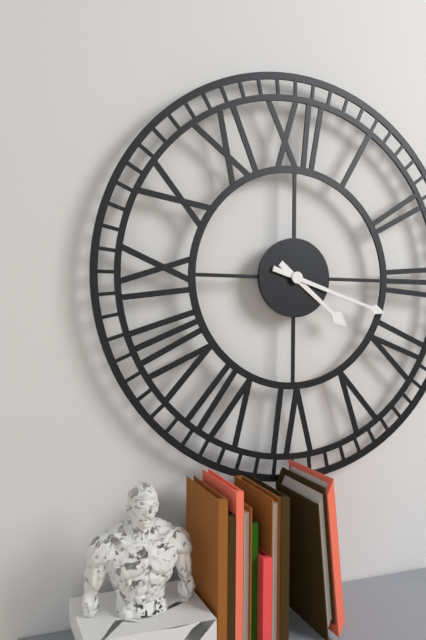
4:18
